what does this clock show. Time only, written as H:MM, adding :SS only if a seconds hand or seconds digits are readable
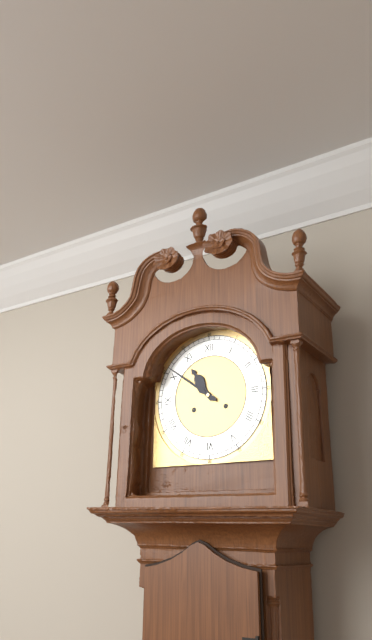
10:51
